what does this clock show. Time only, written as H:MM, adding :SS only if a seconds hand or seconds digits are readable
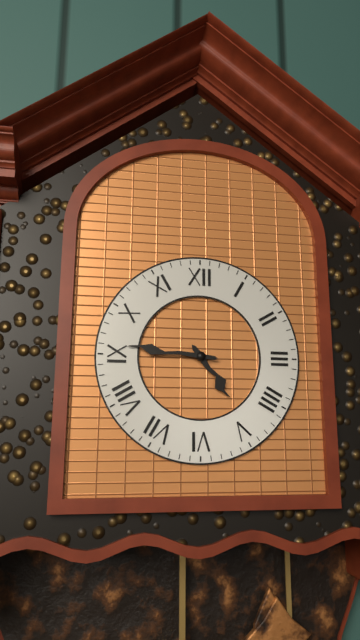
4:46
